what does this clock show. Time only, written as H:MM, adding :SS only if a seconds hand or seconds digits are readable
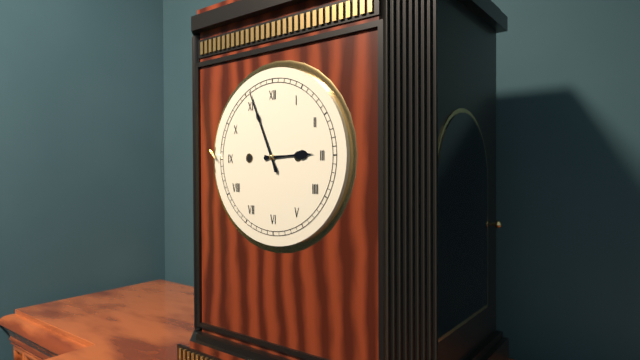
2:56
